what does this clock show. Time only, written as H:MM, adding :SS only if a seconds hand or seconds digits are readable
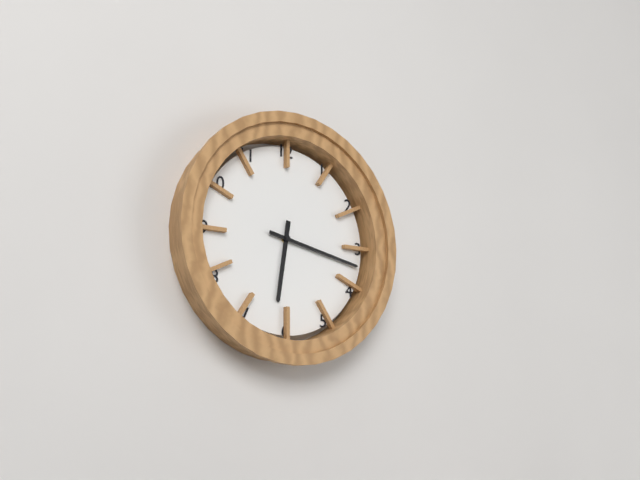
6:17
